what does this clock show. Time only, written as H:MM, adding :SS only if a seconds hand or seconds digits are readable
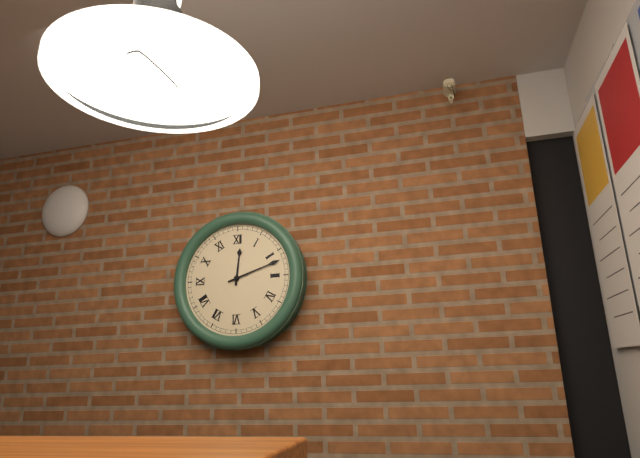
12:12
